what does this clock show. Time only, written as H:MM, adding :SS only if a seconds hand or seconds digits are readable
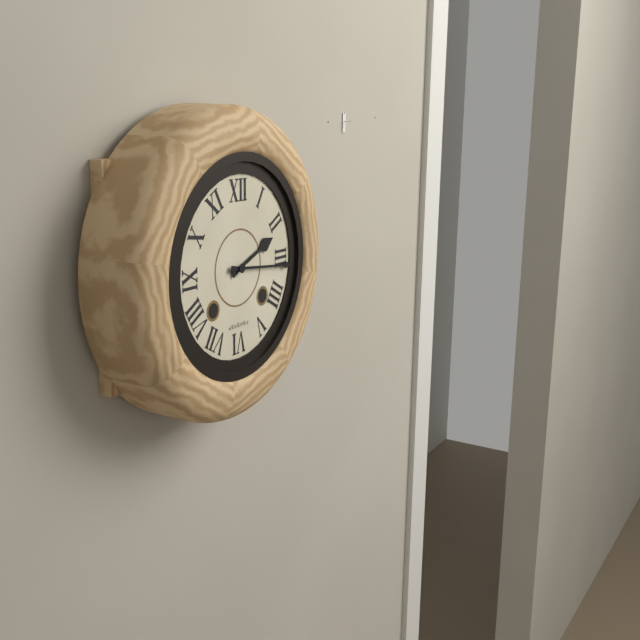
2:16
